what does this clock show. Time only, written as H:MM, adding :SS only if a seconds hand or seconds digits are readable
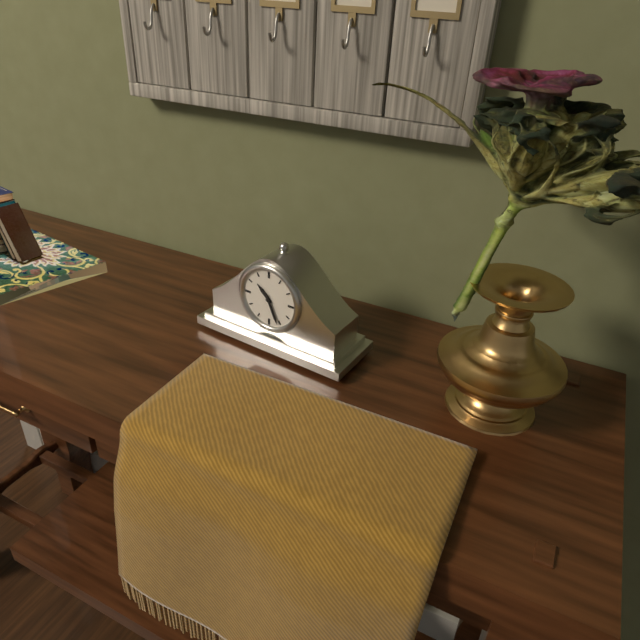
10:26
